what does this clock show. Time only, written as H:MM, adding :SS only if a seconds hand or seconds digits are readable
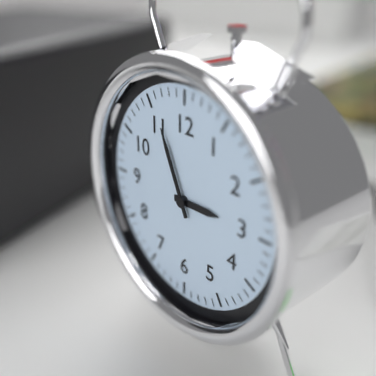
2:56
